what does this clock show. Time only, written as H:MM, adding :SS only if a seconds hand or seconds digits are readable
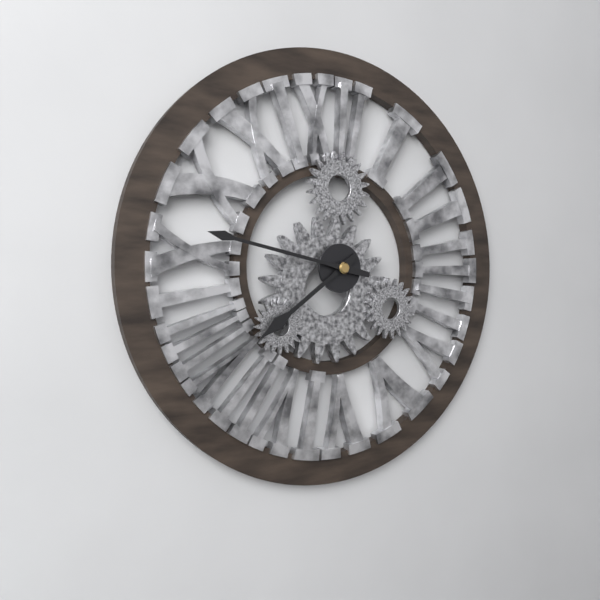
7:47
